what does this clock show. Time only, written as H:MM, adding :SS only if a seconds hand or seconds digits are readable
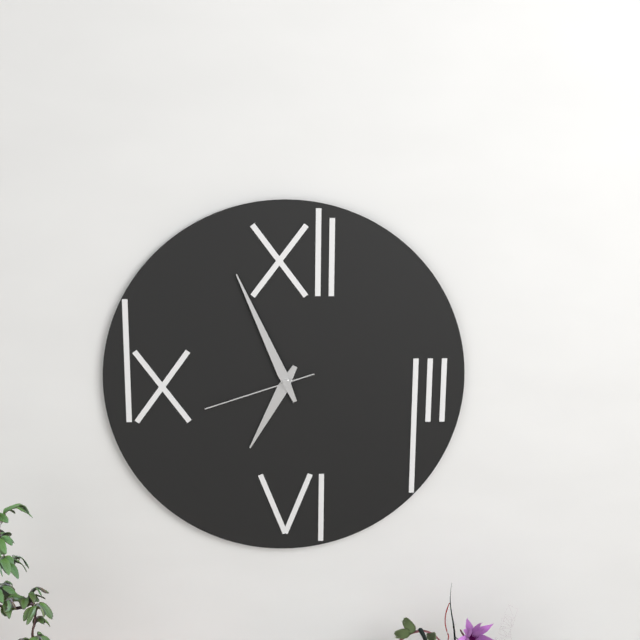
6:56:42
